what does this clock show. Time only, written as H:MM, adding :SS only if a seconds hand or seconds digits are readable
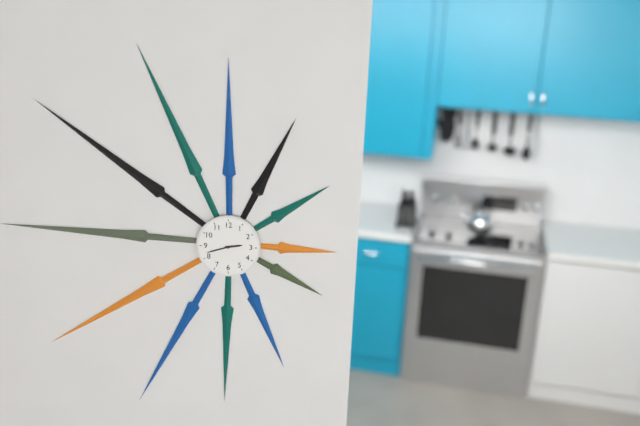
2:42
